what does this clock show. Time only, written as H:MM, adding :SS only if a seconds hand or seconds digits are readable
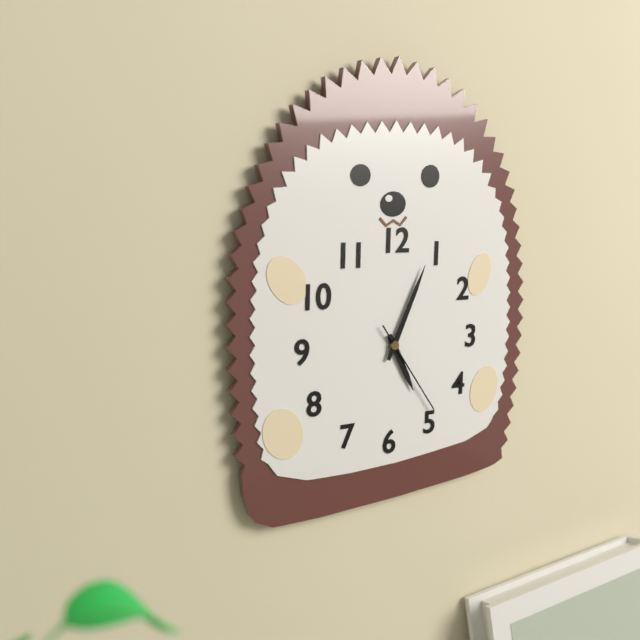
5:04:24
